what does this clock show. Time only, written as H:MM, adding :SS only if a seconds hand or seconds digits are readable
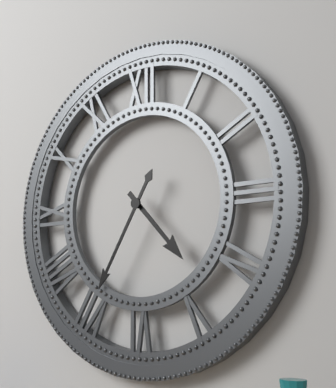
4:35
